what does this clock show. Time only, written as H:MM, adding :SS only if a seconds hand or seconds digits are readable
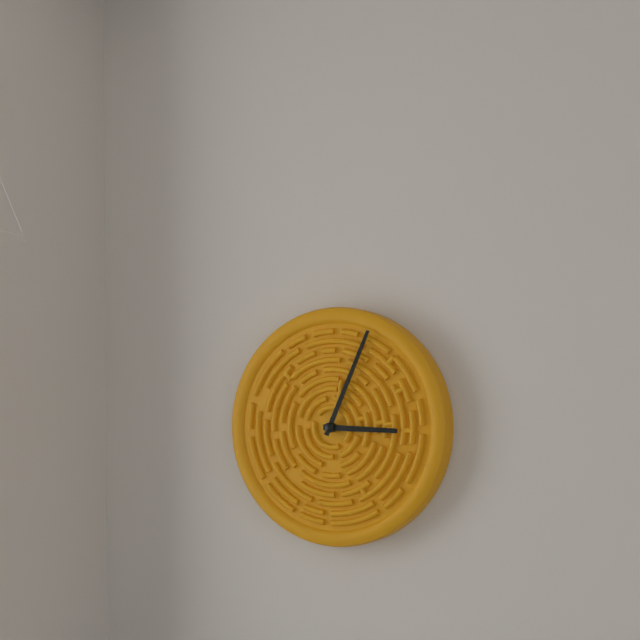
3:04
